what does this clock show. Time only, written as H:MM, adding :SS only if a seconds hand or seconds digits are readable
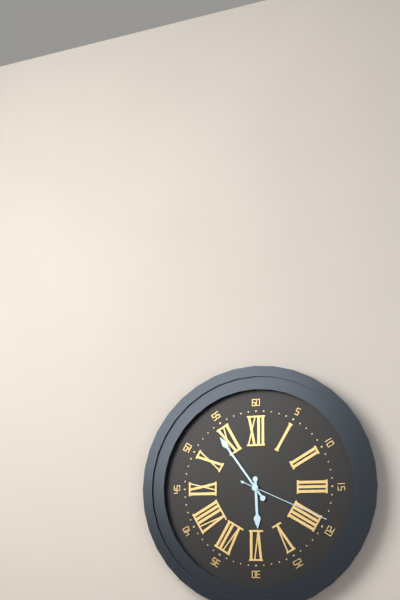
5:54:19
